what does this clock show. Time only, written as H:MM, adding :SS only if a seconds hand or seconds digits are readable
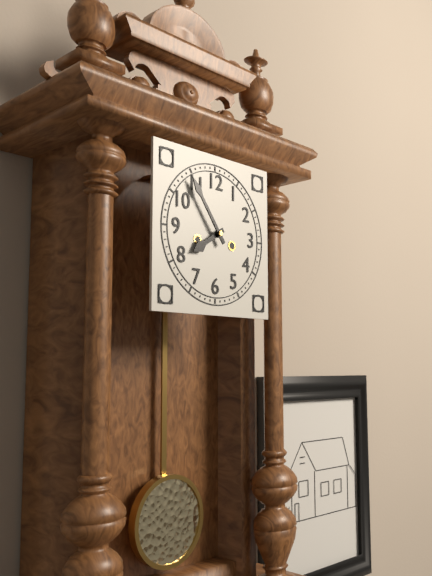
7:54
